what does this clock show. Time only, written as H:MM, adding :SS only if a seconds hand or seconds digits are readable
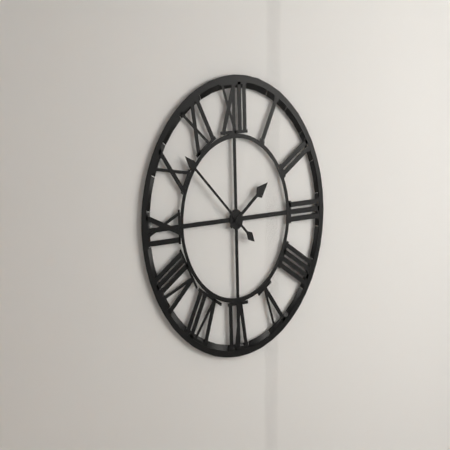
1:52
